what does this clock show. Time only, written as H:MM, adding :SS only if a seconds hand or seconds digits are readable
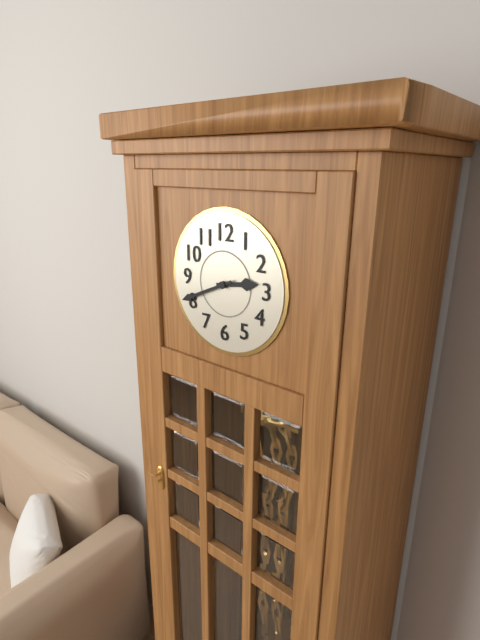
2:41
